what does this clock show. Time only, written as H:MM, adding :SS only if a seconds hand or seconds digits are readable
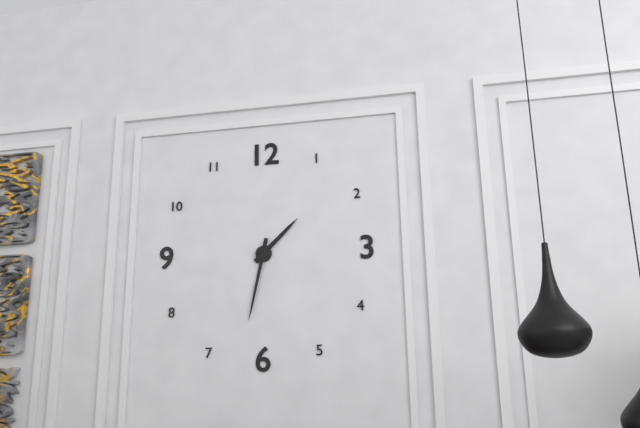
1:32
